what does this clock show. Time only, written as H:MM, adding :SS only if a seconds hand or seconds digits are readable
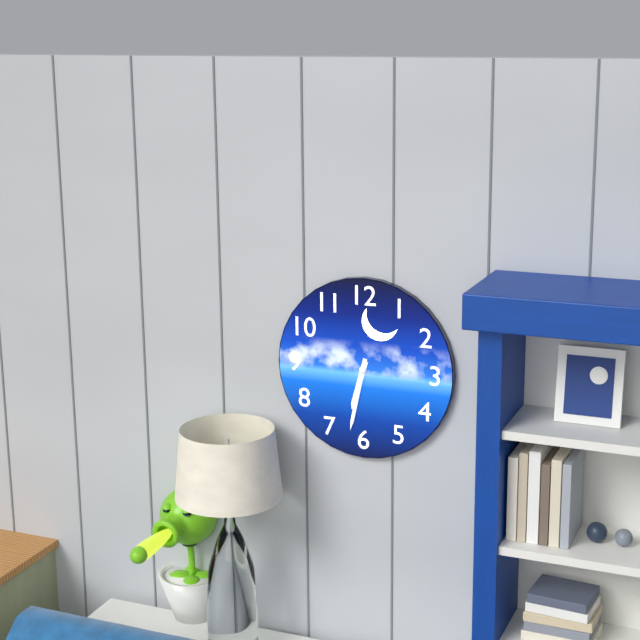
6:32
